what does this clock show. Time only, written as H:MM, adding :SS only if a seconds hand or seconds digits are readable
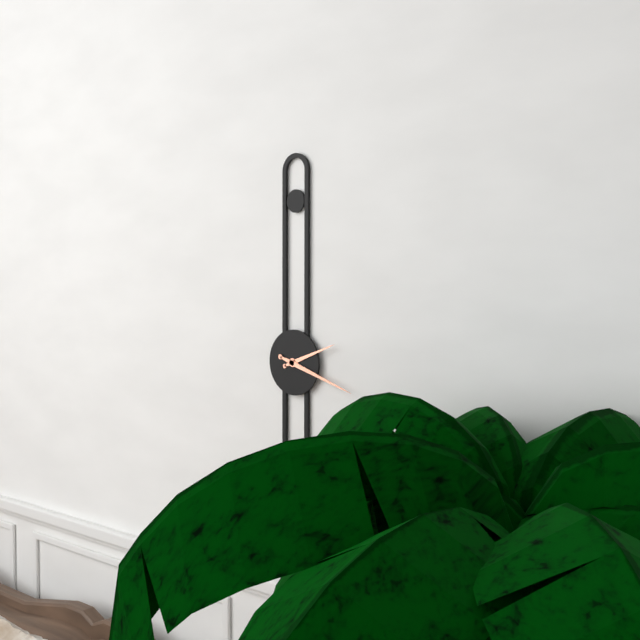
2:18
